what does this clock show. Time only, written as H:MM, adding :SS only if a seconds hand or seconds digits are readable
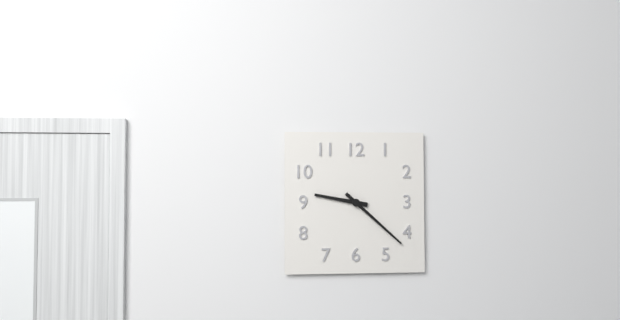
9:22
